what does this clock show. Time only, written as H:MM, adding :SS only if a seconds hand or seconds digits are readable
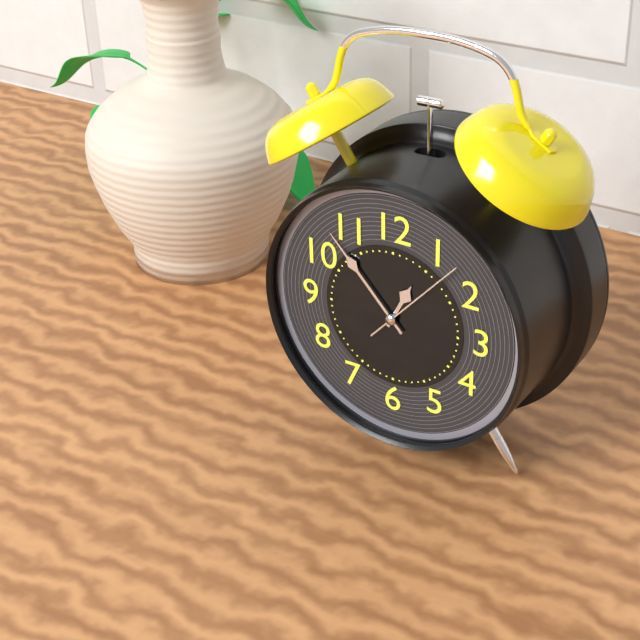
12:53:07
